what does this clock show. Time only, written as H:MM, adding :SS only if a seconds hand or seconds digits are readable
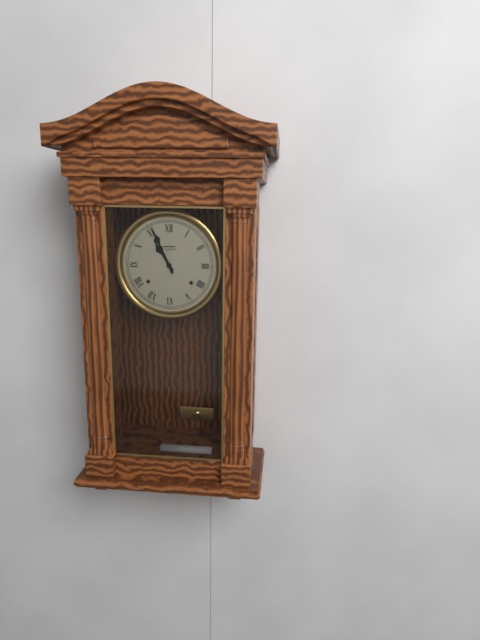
10:56
